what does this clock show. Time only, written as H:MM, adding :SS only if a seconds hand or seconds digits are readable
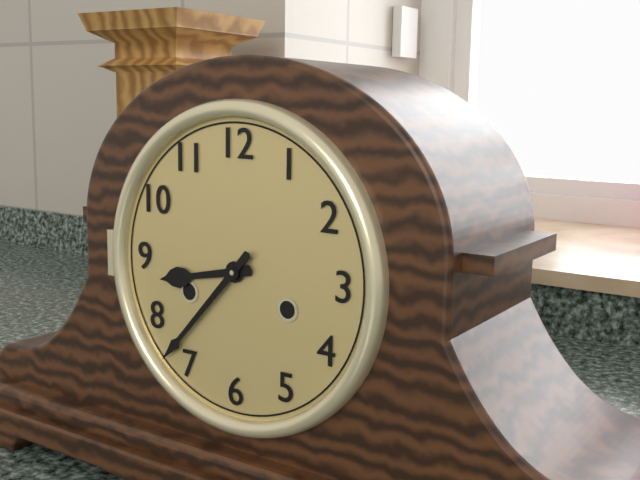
8:37
